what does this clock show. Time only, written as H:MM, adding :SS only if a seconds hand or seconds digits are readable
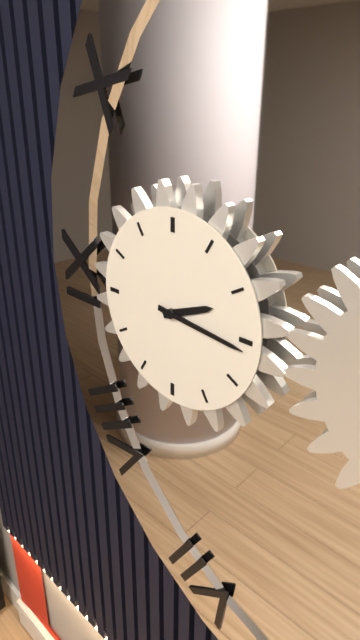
2:16
